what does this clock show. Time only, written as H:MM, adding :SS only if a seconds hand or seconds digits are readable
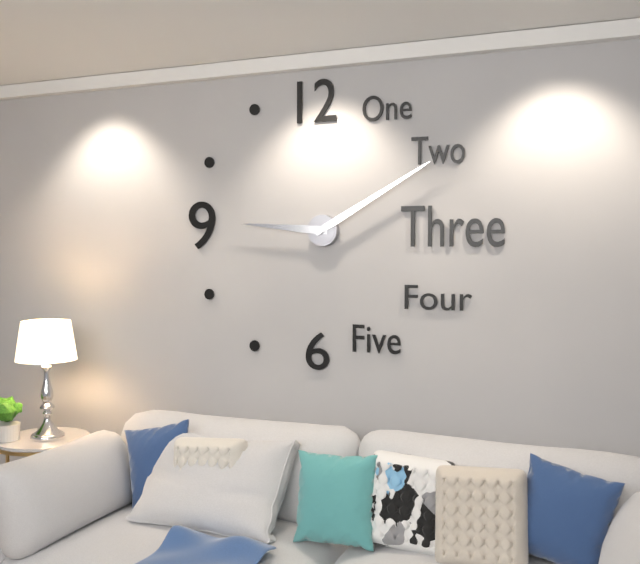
9:10
